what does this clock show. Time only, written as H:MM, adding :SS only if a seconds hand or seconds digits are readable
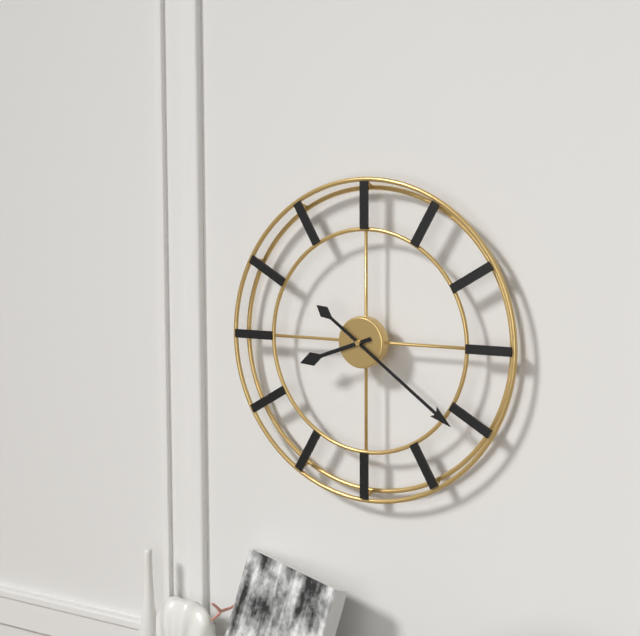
8:21
